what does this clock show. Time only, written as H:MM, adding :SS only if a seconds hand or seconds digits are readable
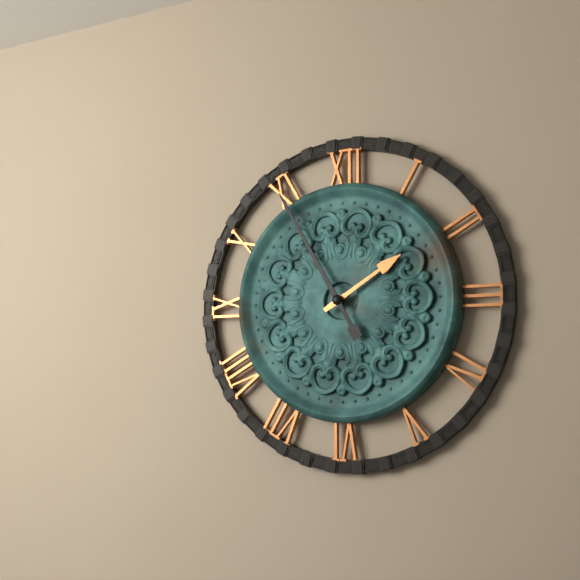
1:55
